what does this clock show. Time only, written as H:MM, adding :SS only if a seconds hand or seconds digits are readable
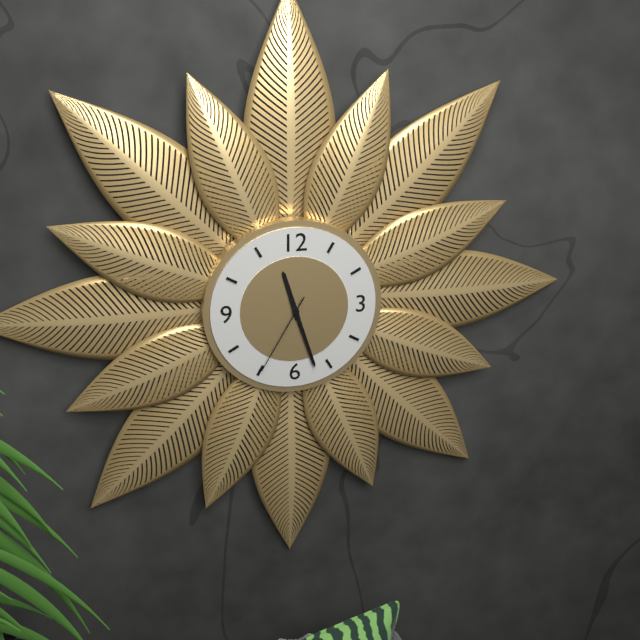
11:27:35
